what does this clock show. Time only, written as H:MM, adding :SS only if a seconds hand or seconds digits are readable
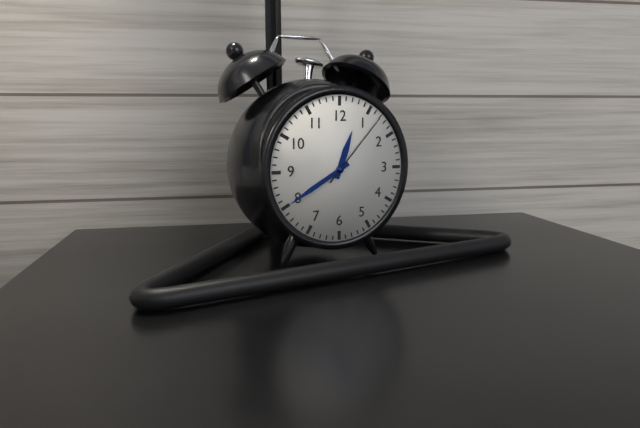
12:40:07
